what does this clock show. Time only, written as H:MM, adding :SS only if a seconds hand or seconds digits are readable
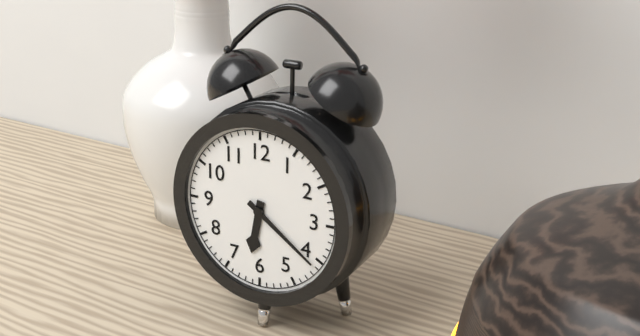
6:21
